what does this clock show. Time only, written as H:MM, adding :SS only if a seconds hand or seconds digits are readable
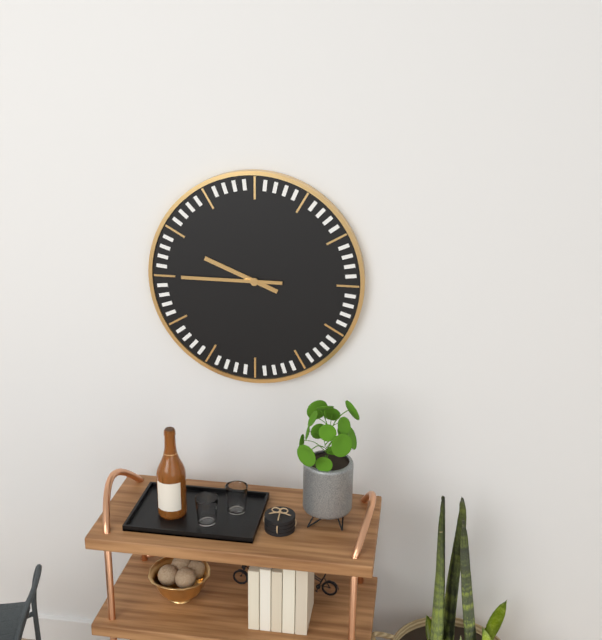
9:45
